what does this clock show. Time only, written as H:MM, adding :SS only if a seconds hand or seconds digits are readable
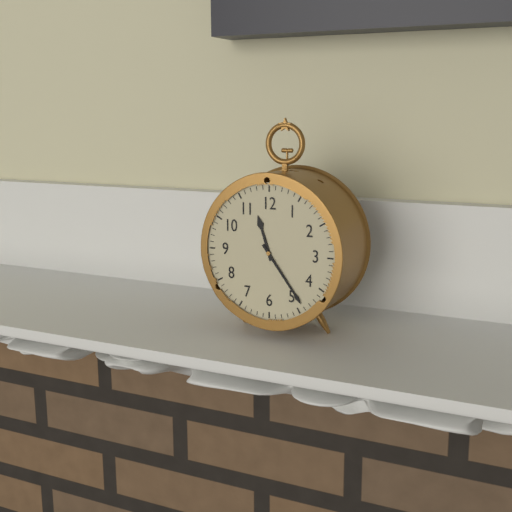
11:24
